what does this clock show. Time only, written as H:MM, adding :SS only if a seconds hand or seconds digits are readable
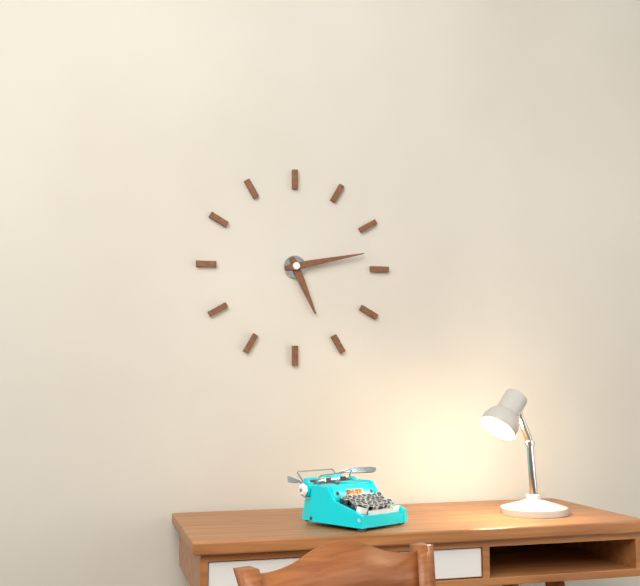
5:13
